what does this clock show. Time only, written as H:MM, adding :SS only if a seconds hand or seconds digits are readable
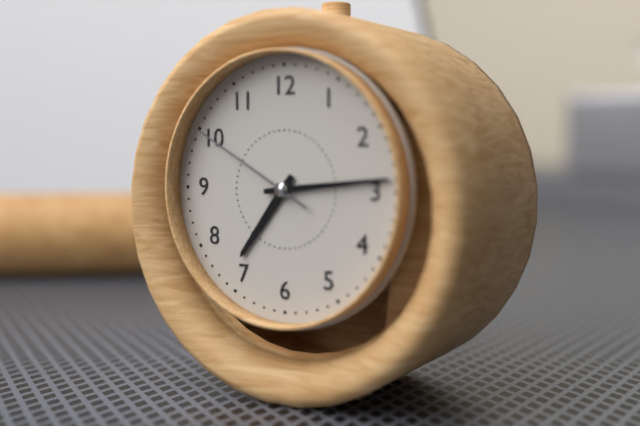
7:14:50
